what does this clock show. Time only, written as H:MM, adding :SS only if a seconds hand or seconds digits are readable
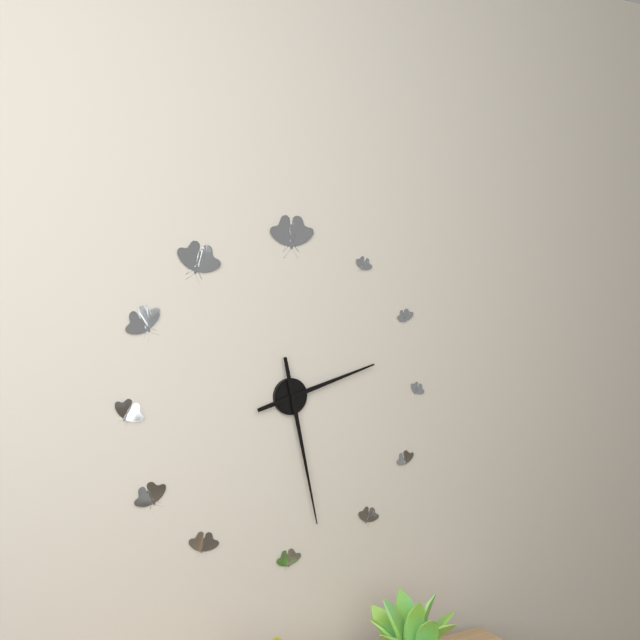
2:28
